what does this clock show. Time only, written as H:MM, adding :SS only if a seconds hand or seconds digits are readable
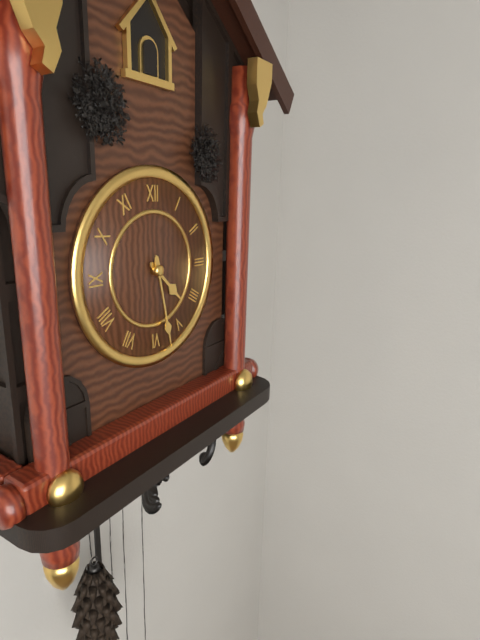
4:28
